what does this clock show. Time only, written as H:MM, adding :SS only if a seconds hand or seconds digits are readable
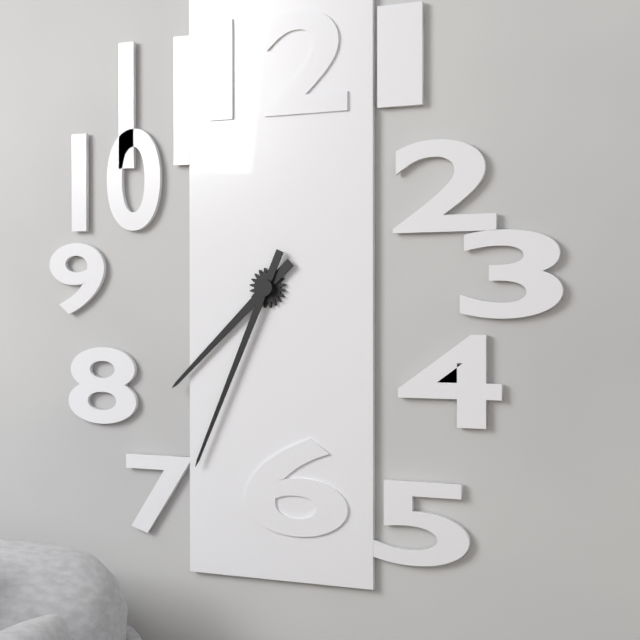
7:34
